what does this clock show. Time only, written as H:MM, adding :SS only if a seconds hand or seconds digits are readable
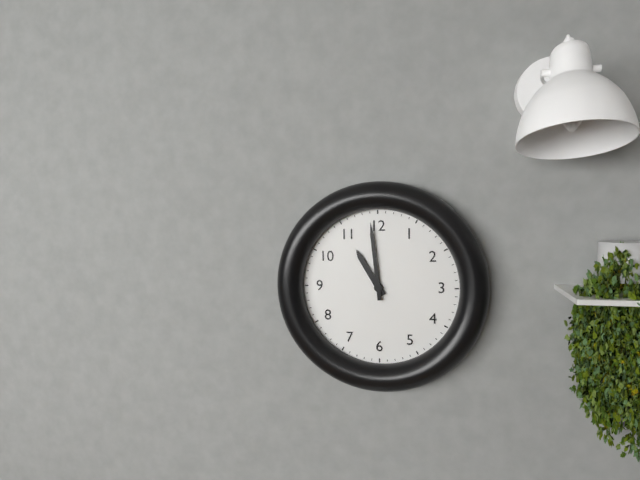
10:59
